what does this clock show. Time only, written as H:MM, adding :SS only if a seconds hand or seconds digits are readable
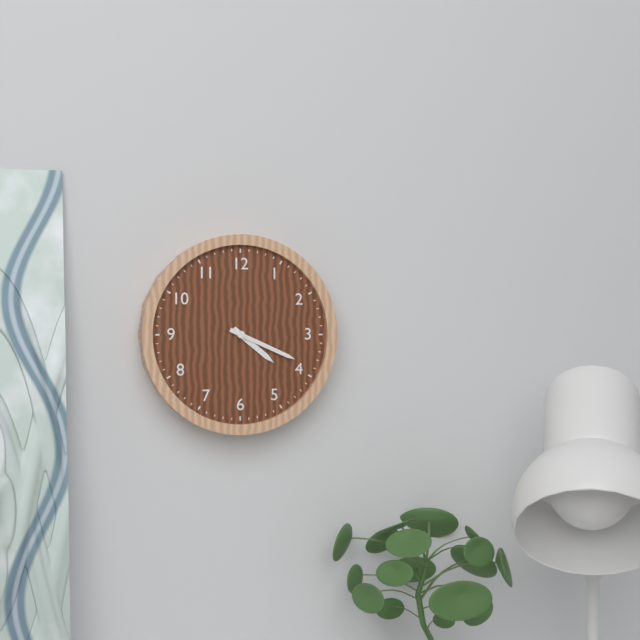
4:19
